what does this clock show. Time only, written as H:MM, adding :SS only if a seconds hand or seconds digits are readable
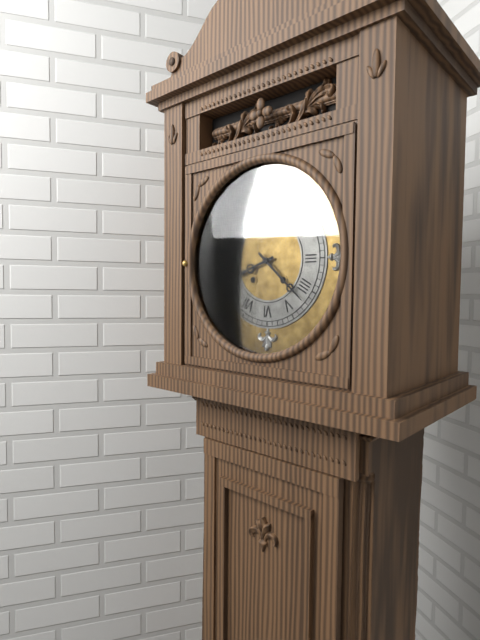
8:22
